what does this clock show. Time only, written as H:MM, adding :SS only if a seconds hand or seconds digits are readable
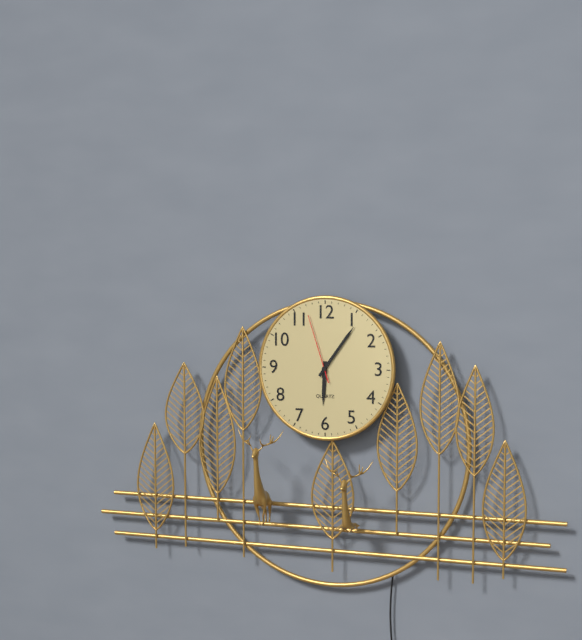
6:06:57
